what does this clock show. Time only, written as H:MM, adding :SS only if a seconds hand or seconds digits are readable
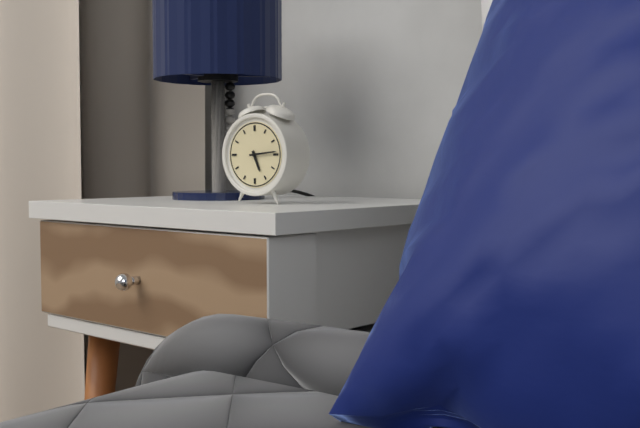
5:14
